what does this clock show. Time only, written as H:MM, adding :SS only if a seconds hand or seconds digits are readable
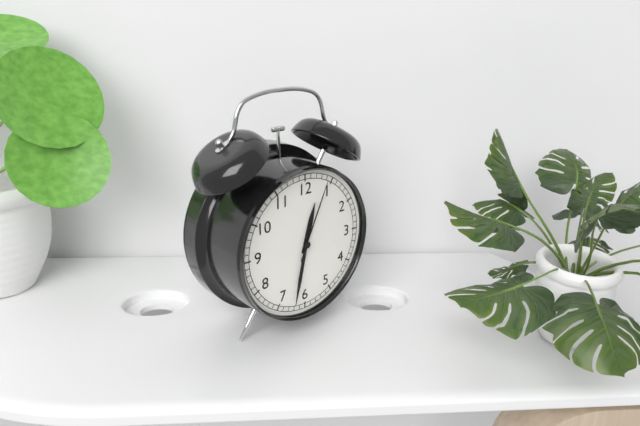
12:32:04
